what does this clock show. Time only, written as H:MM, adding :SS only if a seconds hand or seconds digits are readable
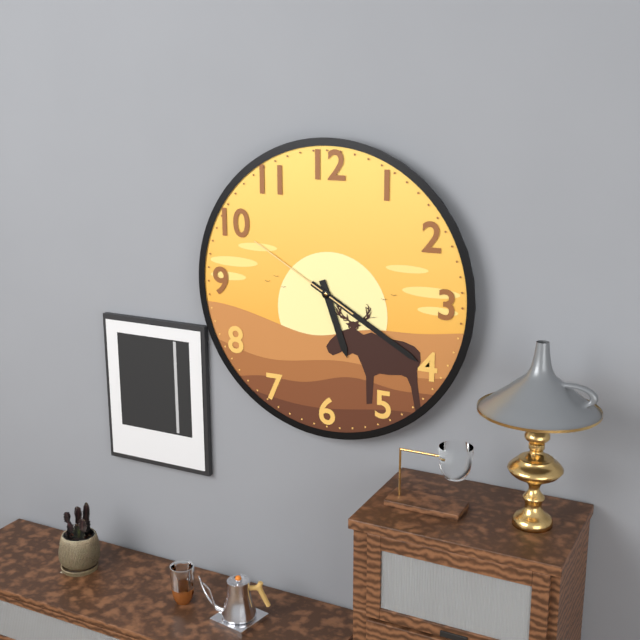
5:20:50
